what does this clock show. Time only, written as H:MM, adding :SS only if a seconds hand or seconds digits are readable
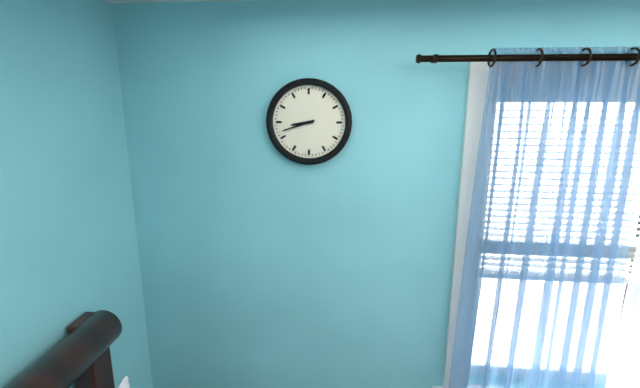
8:42
